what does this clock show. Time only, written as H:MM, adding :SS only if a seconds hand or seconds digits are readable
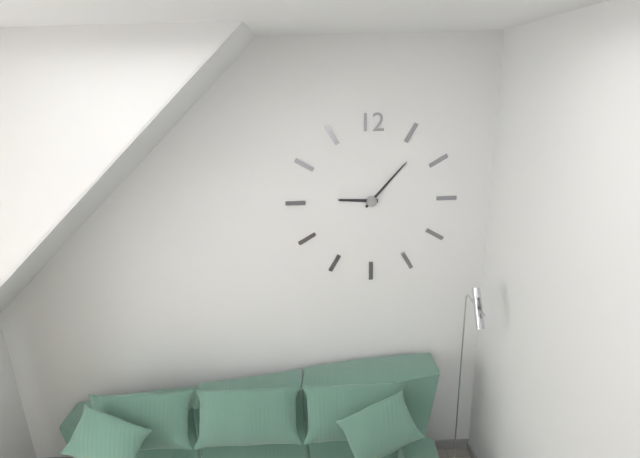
9:07
